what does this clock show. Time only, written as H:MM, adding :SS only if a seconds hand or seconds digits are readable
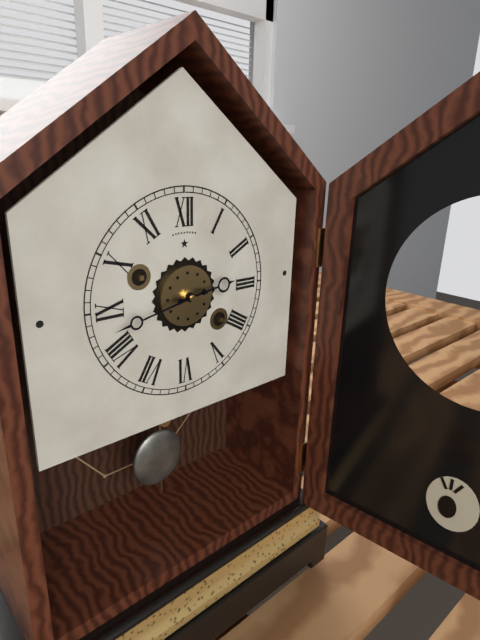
2:43
